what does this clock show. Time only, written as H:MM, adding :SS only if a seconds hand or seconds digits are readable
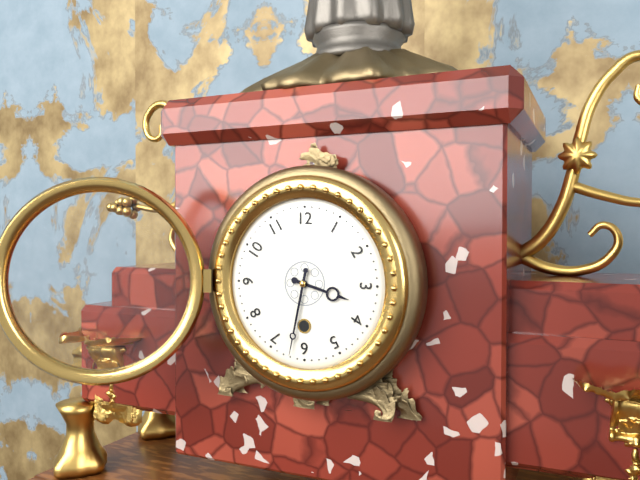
3:32
